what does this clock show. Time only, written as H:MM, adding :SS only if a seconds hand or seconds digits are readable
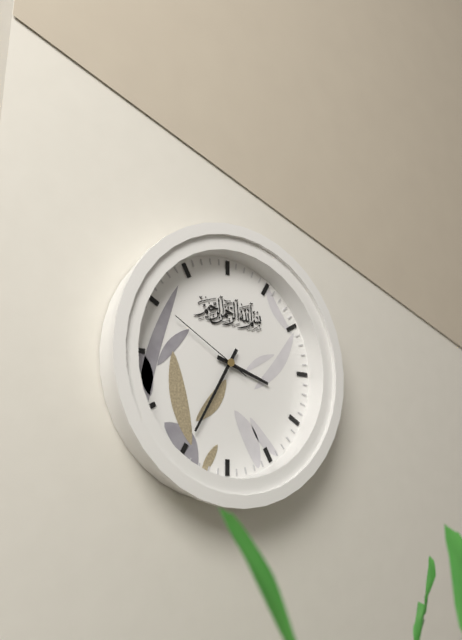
3:35:50
